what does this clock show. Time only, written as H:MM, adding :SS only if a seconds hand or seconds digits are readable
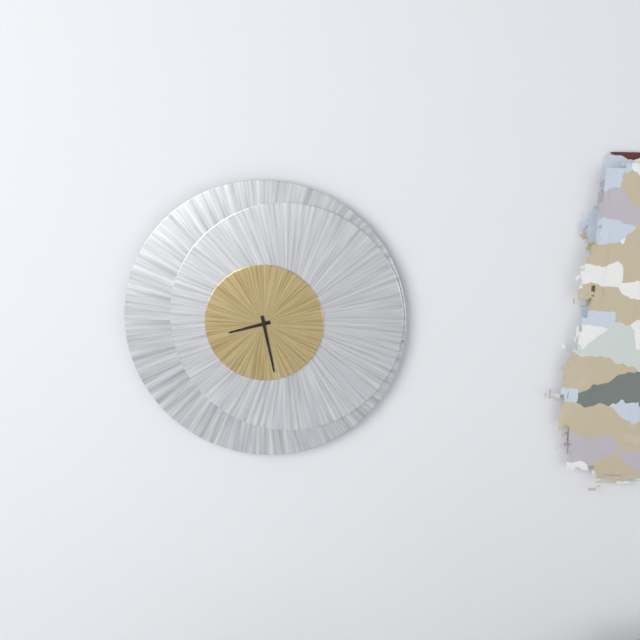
8:28
